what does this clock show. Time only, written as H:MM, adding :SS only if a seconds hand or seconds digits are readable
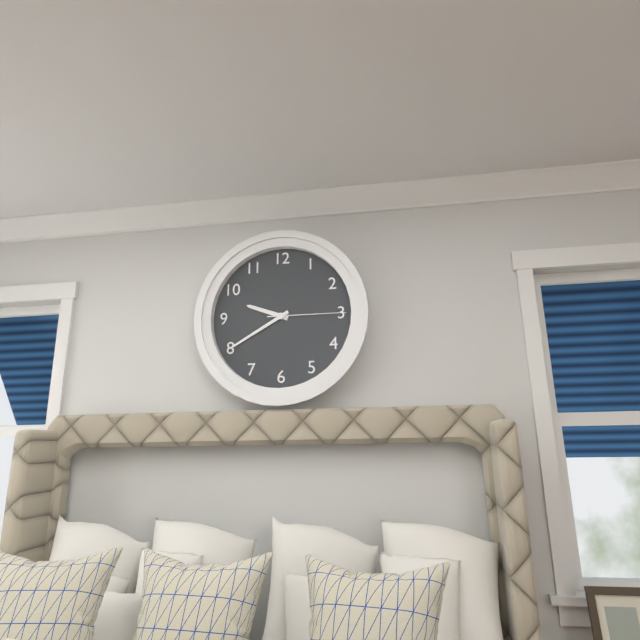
9:40:15
